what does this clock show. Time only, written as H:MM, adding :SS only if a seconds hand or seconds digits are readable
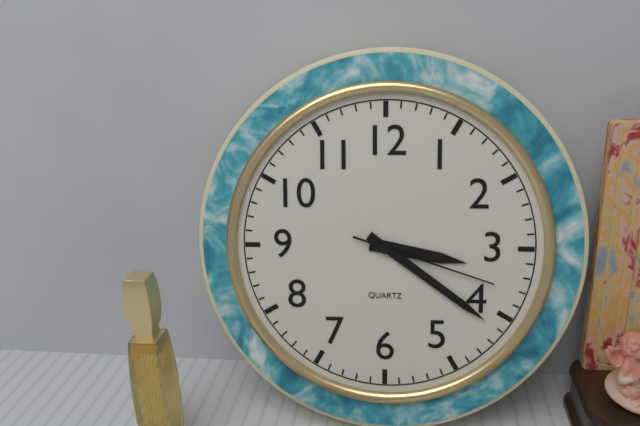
3:21:18
